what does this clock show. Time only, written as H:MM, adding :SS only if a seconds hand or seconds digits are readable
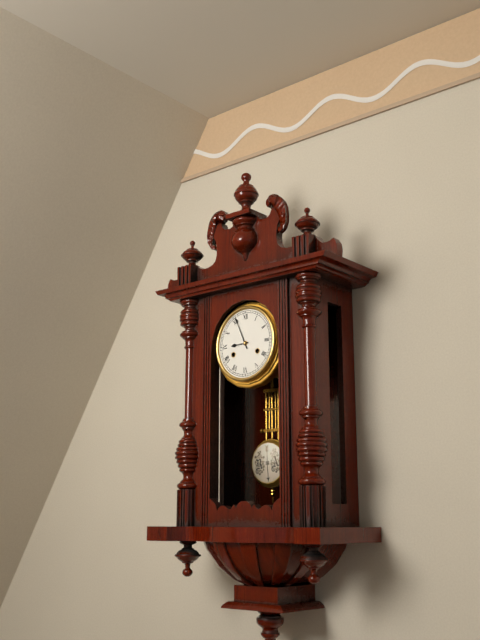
8:56
